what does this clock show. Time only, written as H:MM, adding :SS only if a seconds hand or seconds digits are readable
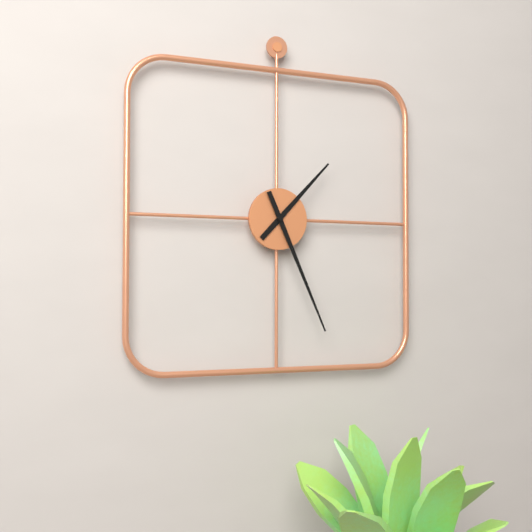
1:26
